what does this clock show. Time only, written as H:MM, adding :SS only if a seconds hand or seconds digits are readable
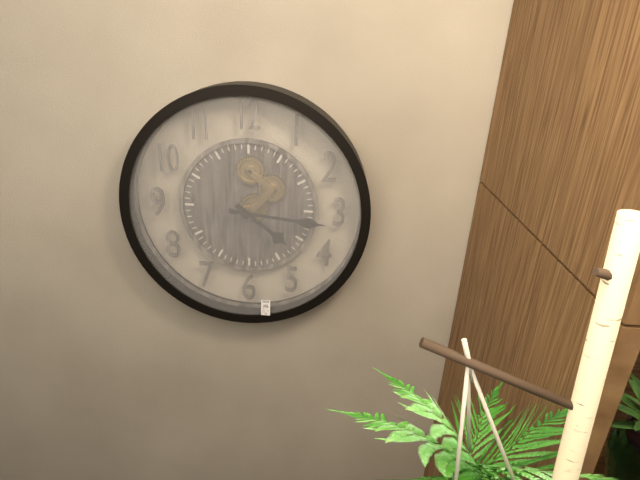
4:16
